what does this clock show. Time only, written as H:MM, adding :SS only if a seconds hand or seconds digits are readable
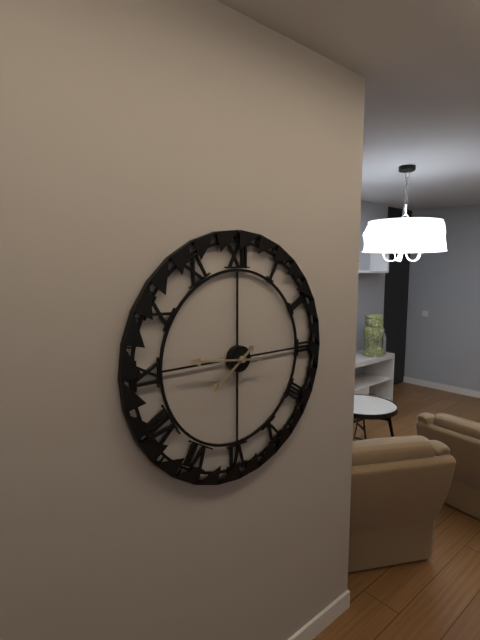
7:46
